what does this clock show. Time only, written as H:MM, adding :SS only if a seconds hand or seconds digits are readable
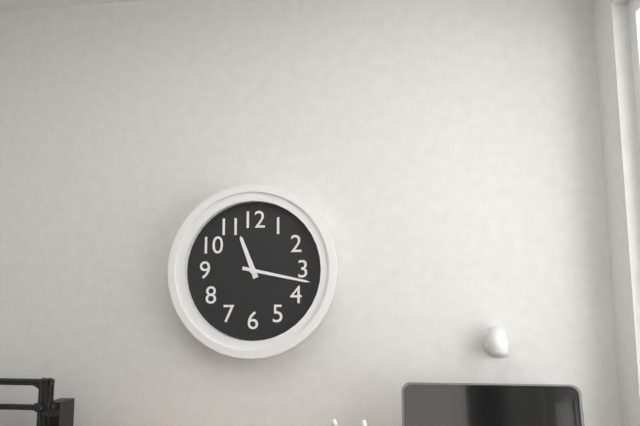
11:17
